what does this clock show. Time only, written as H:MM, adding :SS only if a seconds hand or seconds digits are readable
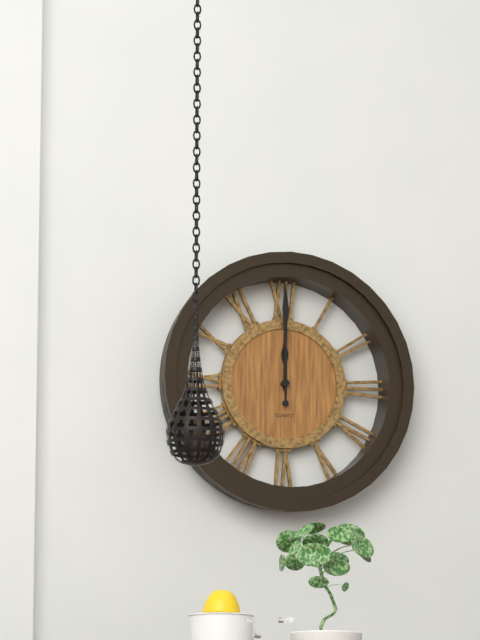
12:00
